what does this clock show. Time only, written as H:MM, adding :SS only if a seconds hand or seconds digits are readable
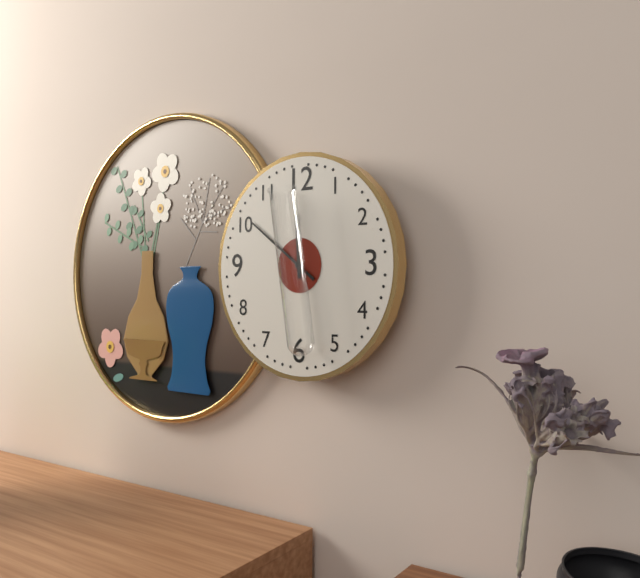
11:51
